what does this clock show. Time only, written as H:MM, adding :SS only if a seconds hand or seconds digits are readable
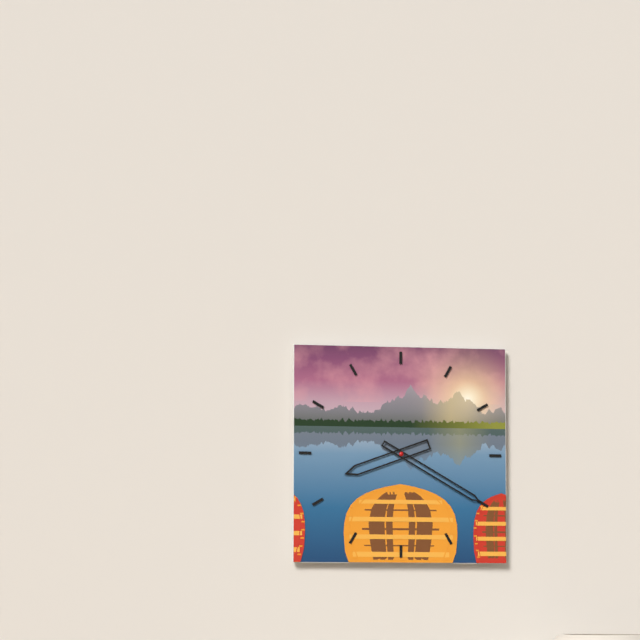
8:20
